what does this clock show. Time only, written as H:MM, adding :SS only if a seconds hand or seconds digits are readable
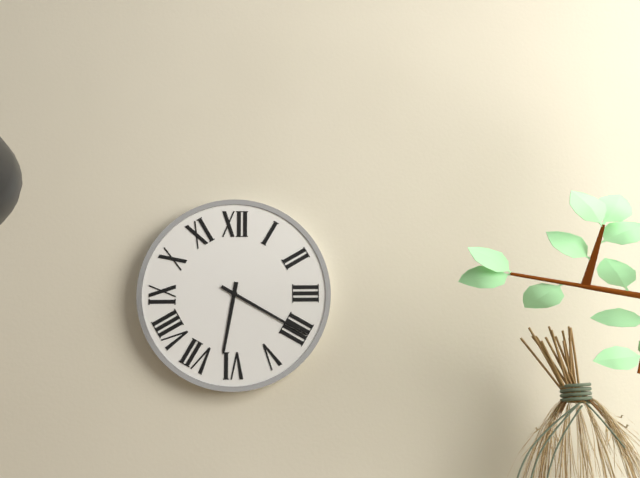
6:20
